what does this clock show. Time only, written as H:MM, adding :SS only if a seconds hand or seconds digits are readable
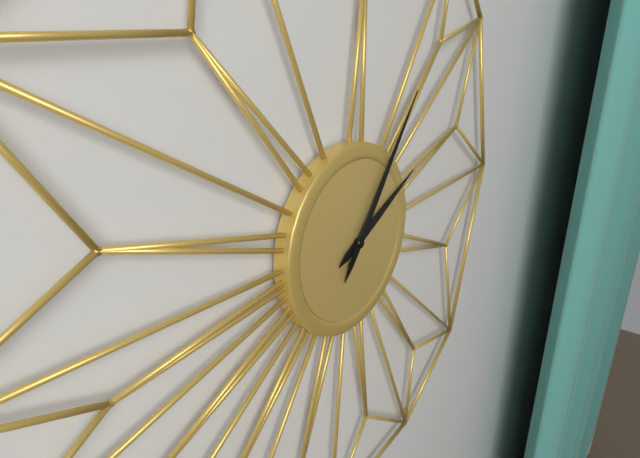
2:06
